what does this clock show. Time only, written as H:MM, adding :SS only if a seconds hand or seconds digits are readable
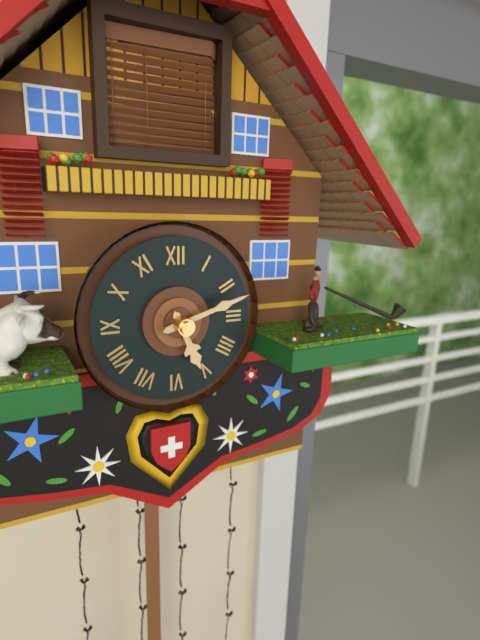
5:12
